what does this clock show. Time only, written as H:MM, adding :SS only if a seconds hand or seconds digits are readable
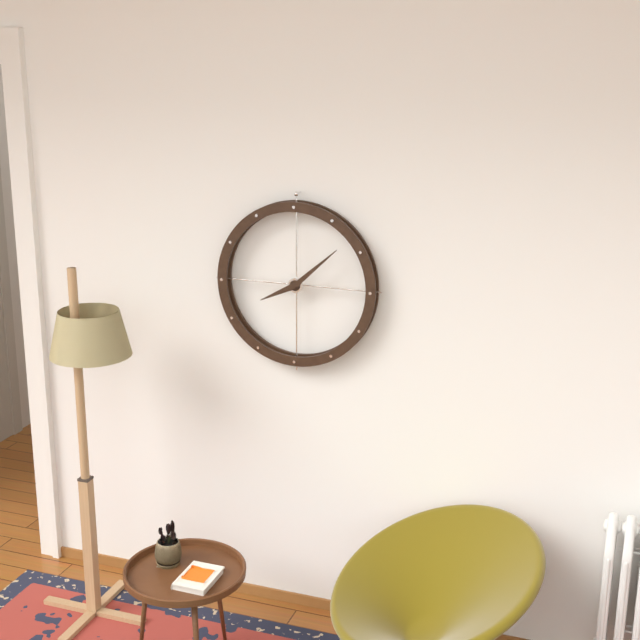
8:08
